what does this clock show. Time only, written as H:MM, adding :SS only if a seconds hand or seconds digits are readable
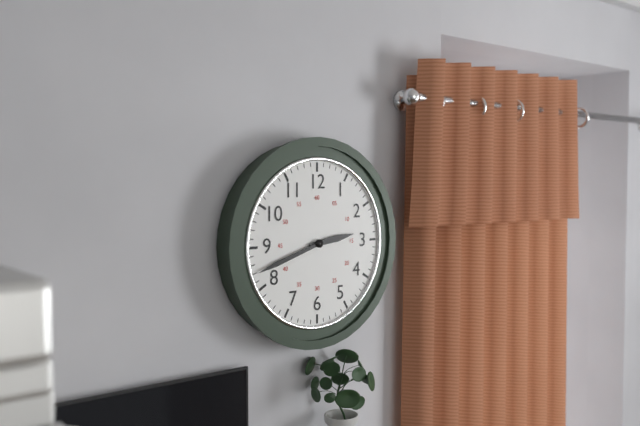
2:42
